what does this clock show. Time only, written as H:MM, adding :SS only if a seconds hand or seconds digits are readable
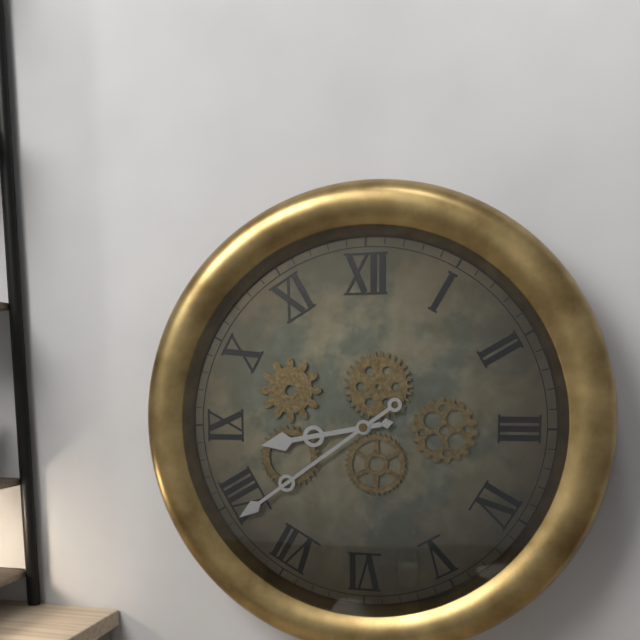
8:39
